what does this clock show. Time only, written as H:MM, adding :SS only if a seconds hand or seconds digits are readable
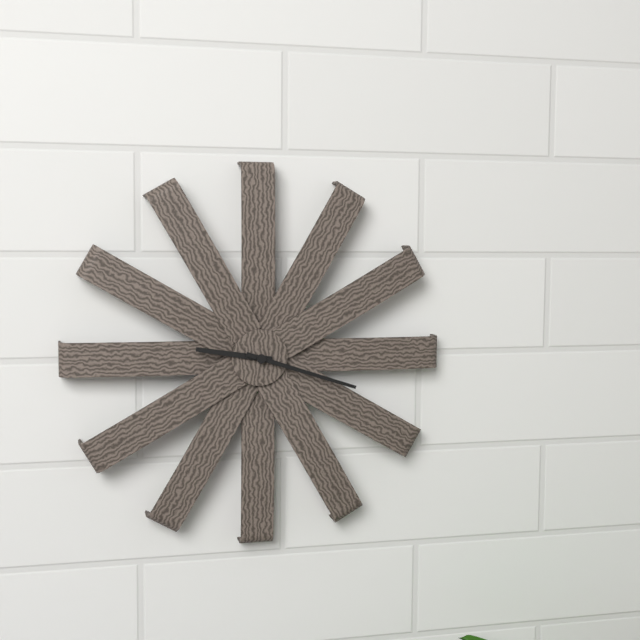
9:18
